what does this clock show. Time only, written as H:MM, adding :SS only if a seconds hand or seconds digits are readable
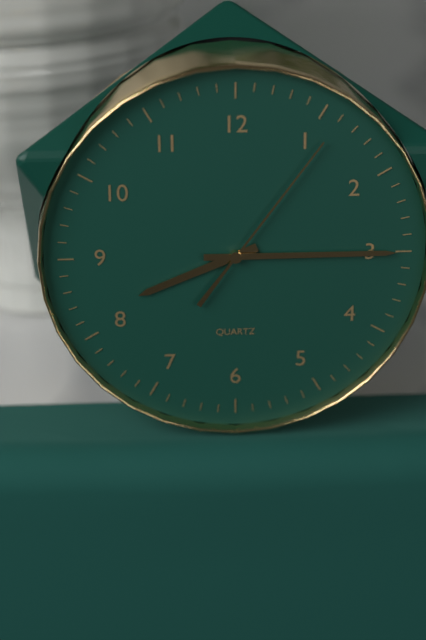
8:15:06
